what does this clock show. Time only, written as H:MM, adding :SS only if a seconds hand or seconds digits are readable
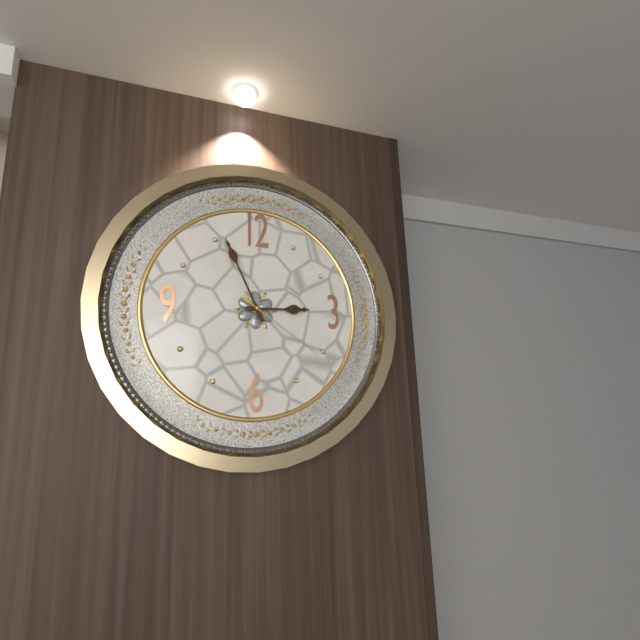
2:56:21
